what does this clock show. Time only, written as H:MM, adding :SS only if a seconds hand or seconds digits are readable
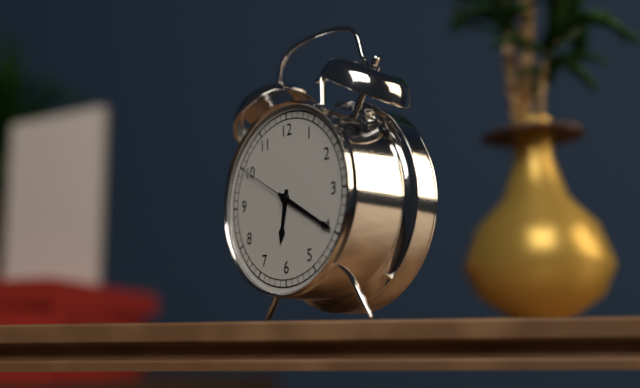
6:20:50
